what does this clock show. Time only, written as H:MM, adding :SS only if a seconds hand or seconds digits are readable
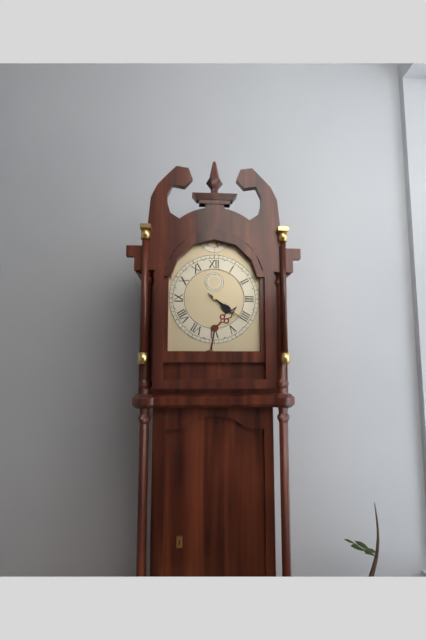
4:21
